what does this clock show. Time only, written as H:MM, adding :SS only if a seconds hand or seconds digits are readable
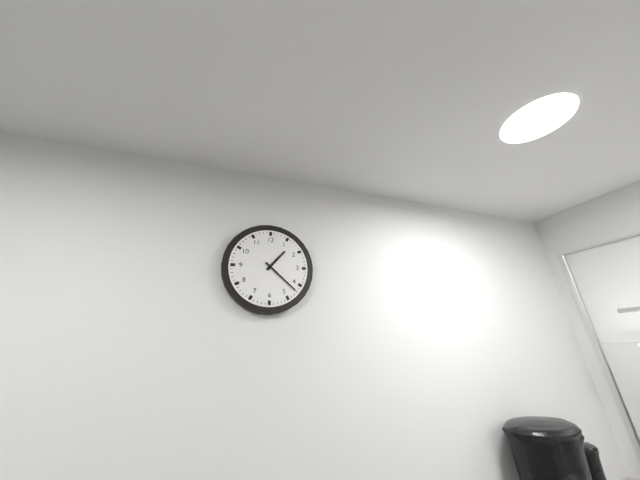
1:22
